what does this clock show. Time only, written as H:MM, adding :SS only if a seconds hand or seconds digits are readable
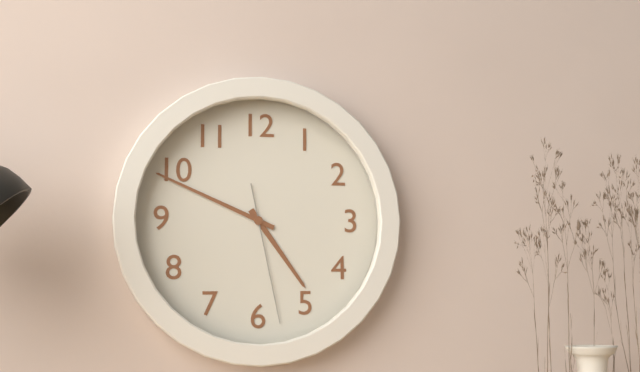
4:49:28
